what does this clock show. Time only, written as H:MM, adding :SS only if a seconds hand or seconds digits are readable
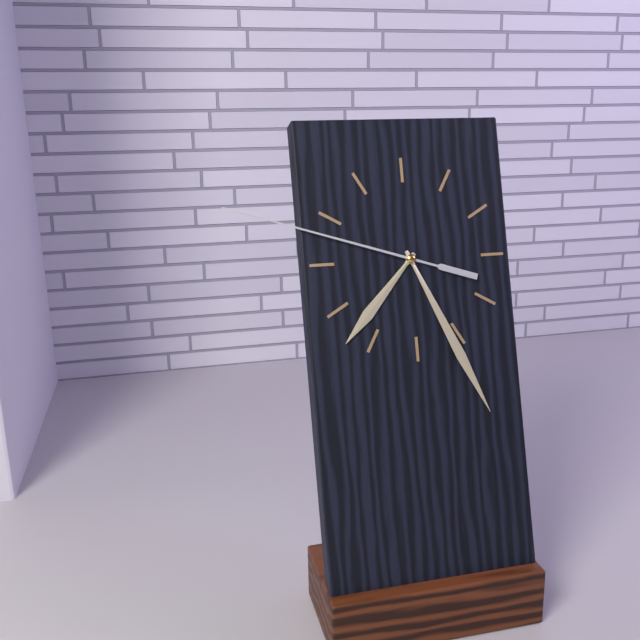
7:26:48
